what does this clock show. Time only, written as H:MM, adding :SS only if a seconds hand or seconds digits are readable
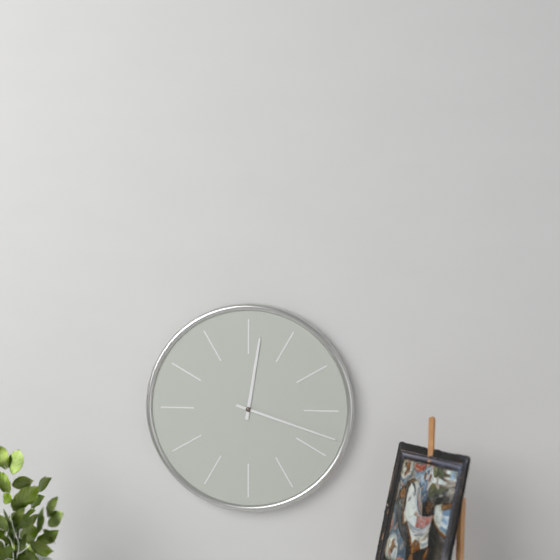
12:18
